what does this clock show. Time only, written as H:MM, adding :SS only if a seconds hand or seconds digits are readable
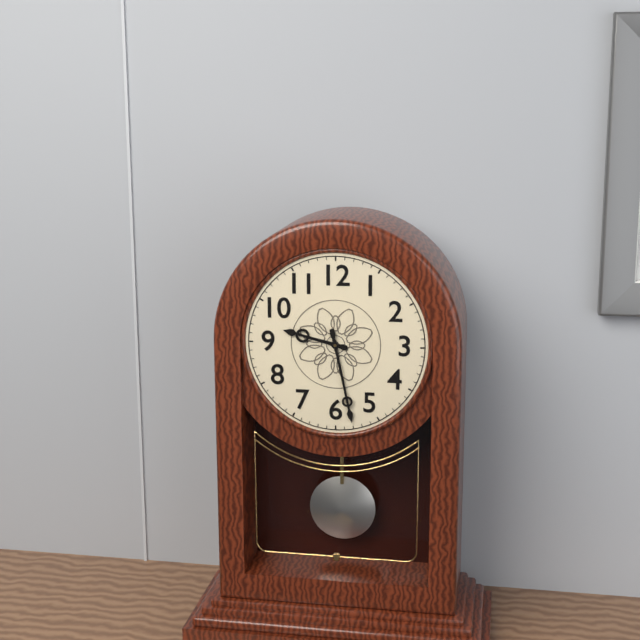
9:28
